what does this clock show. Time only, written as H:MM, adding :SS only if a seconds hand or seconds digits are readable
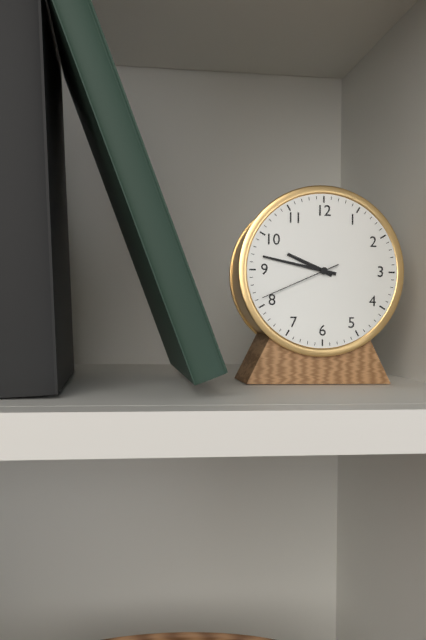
9:47:41
